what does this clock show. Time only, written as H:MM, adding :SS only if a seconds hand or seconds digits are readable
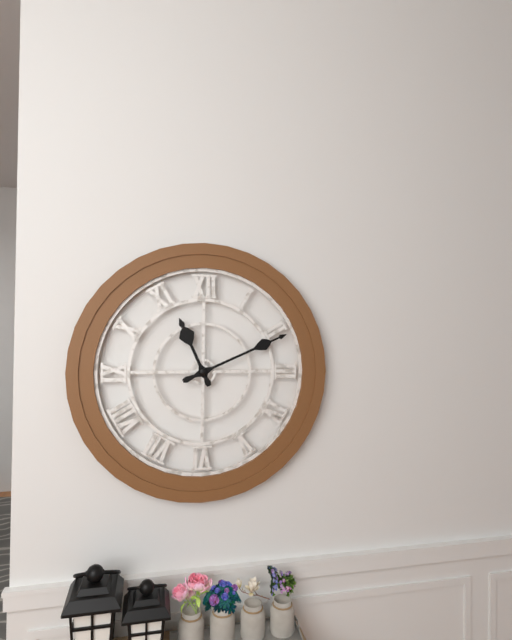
11:11
